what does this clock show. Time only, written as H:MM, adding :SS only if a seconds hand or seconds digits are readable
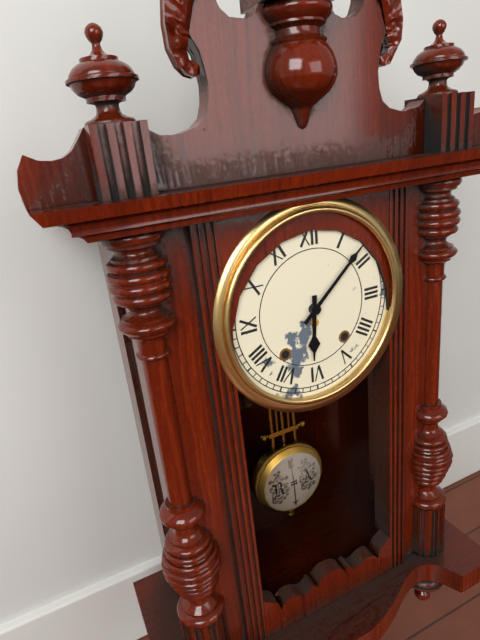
6:08
